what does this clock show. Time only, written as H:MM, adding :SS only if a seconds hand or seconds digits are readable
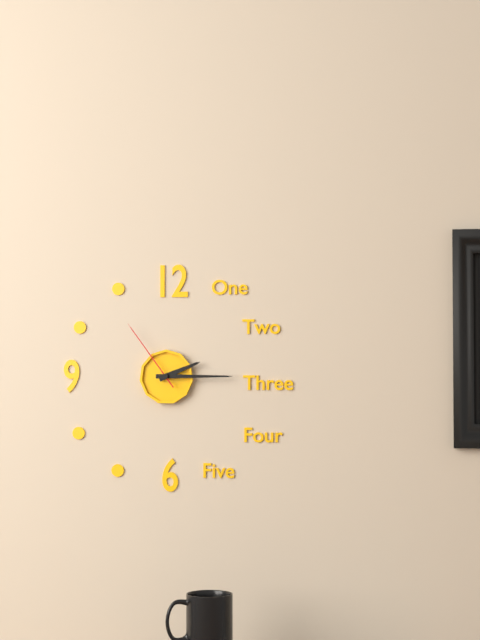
2:15:54
